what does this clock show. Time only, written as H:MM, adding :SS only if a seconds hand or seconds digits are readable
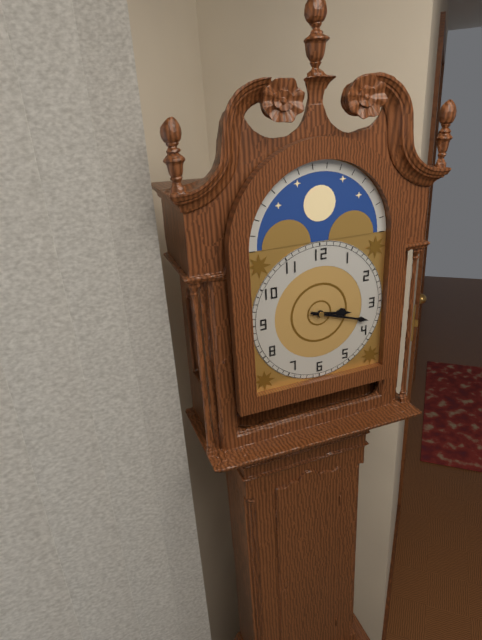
3:18
